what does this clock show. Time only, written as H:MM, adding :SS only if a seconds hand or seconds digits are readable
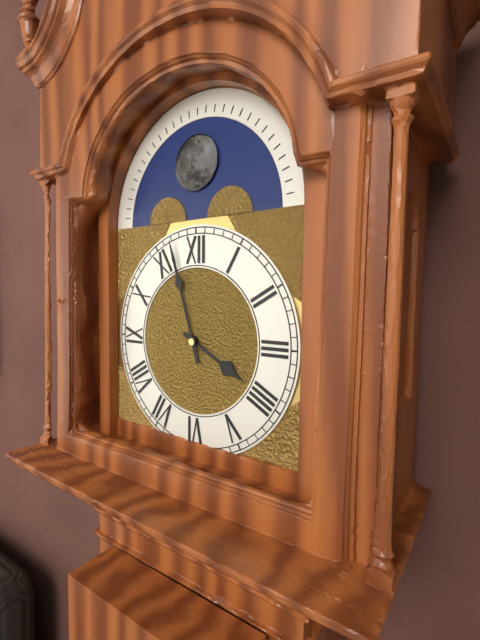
3:57
